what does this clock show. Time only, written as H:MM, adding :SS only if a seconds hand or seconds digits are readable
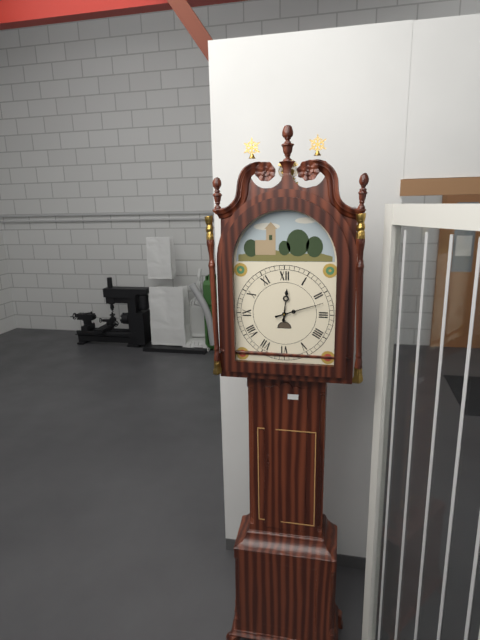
12:12
